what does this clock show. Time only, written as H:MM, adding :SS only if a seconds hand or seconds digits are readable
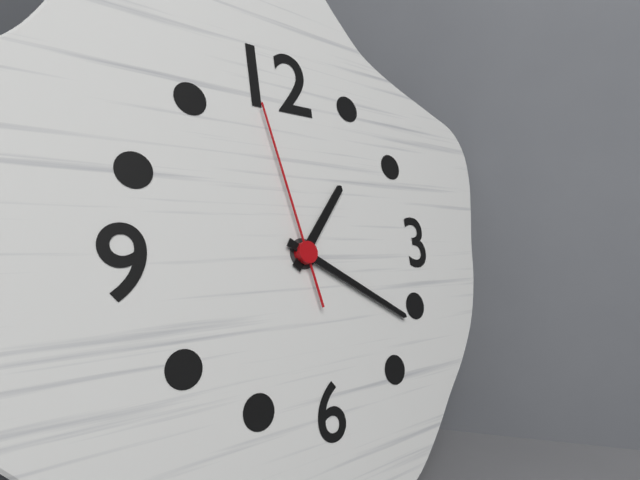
1:20:58
